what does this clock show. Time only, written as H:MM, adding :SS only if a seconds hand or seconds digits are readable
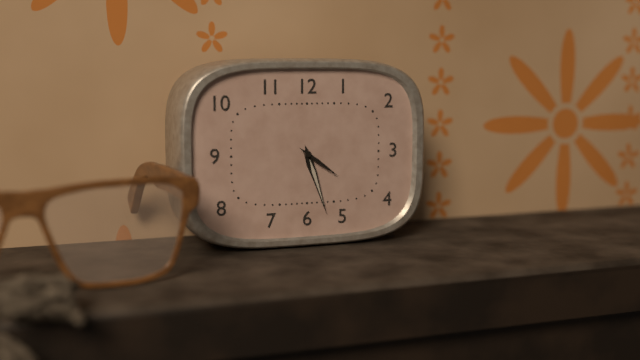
5:27
